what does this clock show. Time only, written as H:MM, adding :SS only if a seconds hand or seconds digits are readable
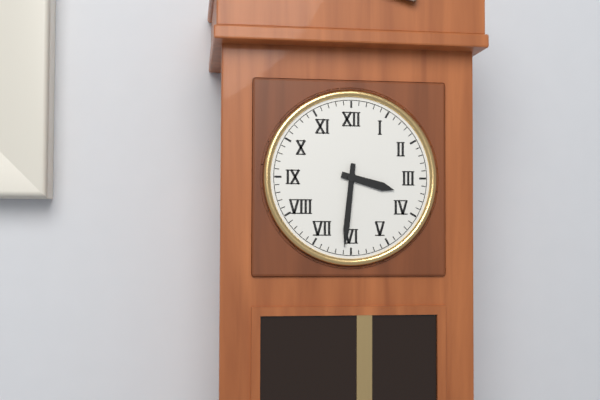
3:31
